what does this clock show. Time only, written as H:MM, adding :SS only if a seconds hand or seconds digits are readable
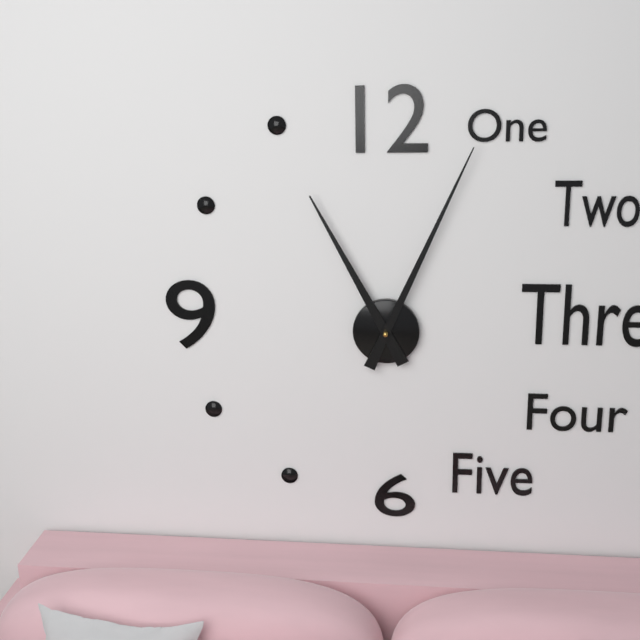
11:04
